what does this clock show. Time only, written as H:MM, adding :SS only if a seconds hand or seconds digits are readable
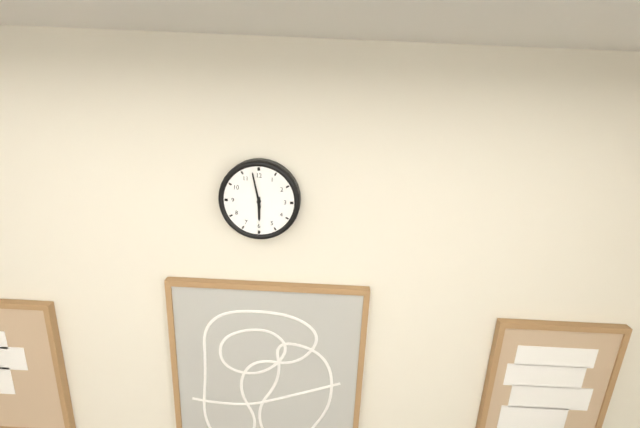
5:58
